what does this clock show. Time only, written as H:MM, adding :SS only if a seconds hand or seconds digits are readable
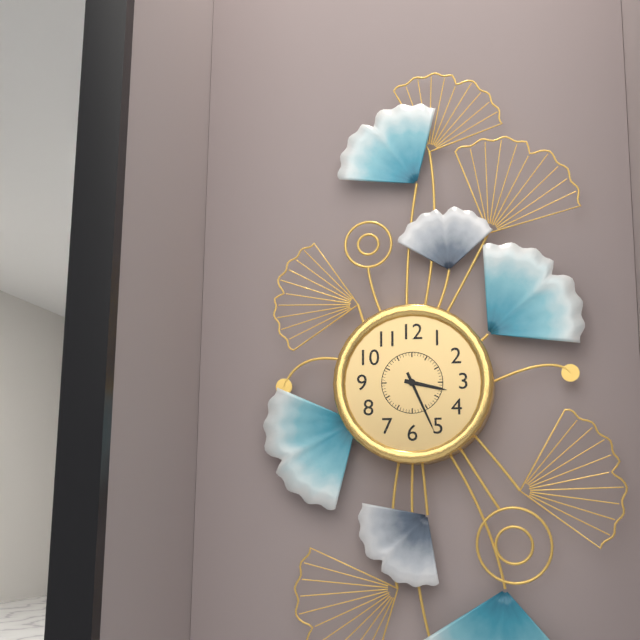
3:26
